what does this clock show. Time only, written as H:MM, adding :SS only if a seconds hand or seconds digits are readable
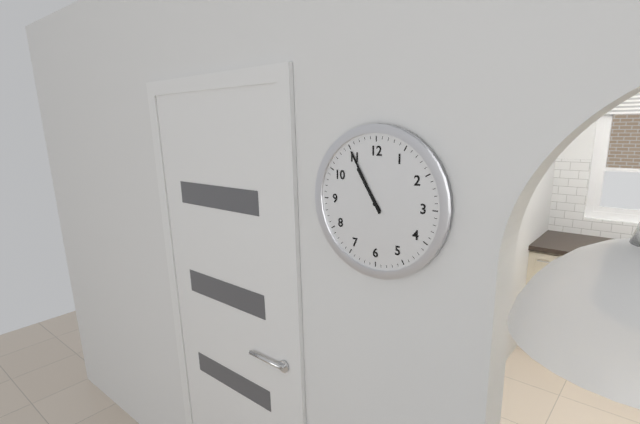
10:55
